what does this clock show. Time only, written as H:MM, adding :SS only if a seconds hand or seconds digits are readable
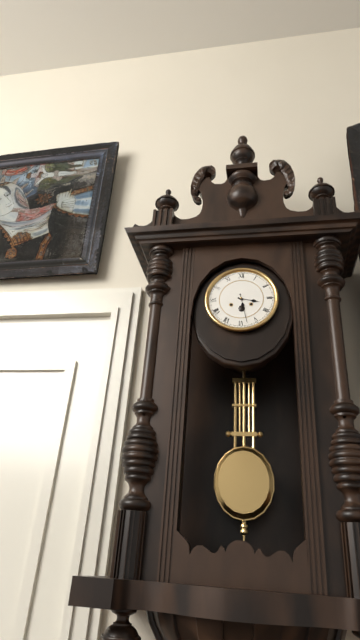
3:28
